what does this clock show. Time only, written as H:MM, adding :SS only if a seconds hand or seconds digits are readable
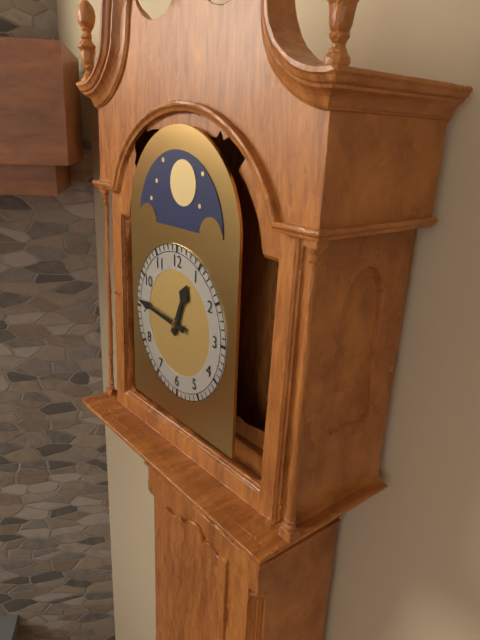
12:46
